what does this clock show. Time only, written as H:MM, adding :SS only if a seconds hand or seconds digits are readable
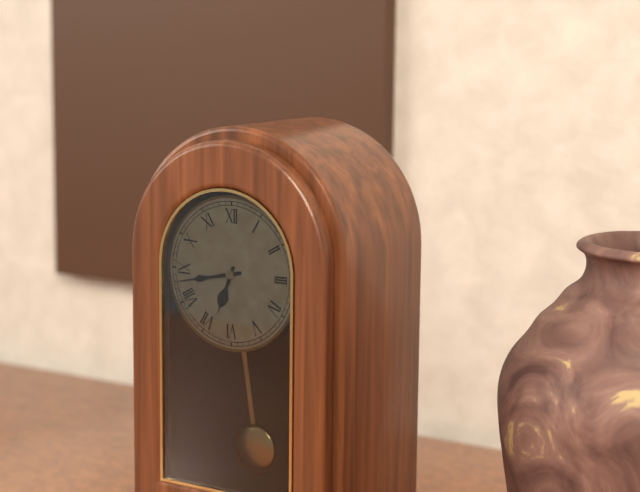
6:43
